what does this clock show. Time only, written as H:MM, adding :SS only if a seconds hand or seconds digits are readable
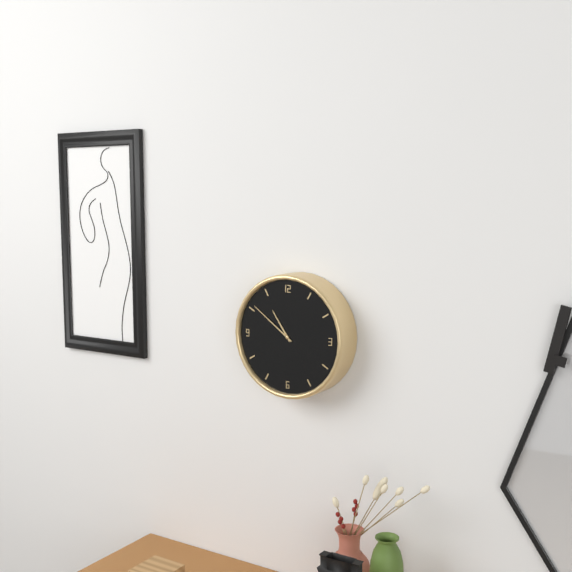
10:51
